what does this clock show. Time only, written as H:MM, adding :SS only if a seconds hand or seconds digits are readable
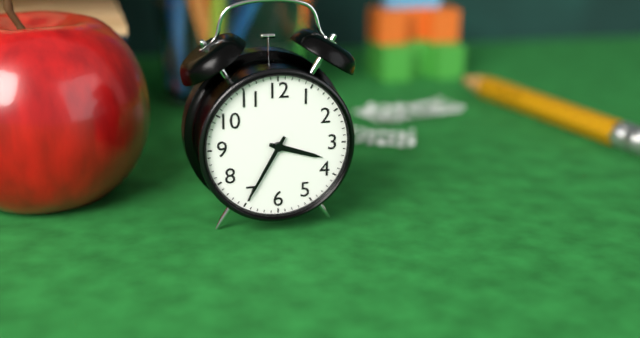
3:35
